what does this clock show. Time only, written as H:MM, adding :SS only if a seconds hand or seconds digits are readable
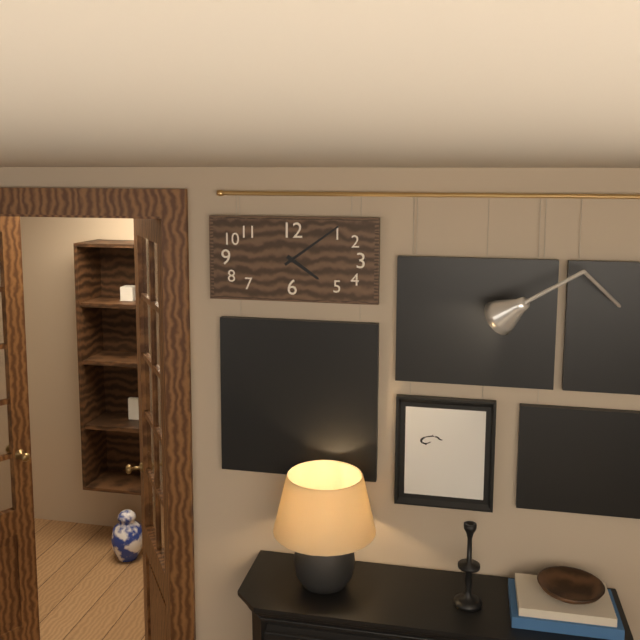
4:09
